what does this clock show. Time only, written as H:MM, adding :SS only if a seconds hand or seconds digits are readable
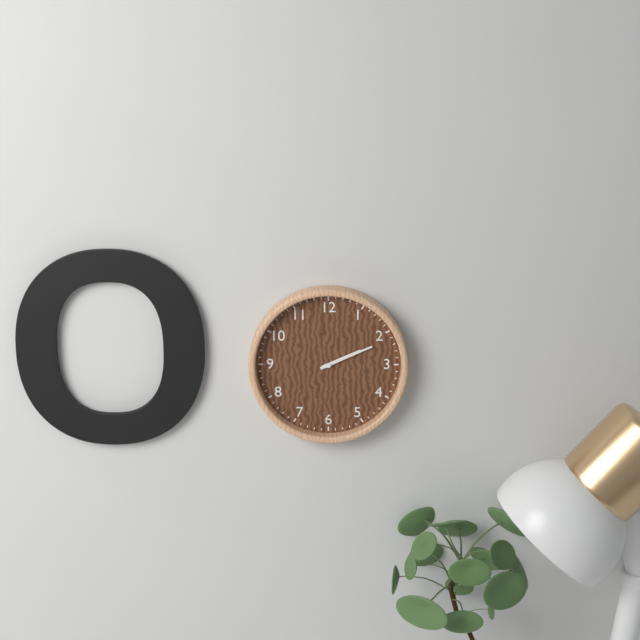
2:11
